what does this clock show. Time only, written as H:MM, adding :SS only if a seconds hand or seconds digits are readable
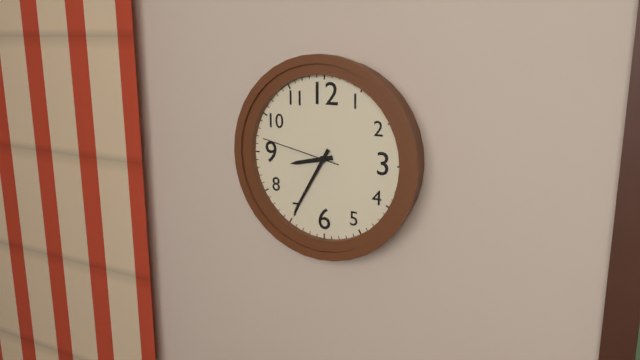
8:35:47
